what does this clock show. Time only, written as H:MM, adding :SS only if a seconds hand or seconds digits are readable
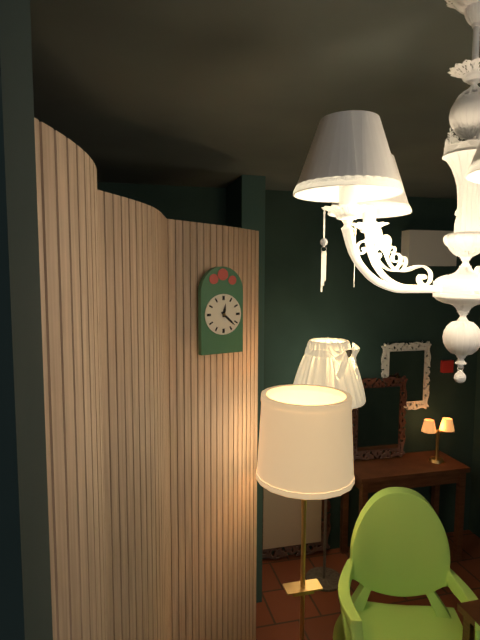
12:22
